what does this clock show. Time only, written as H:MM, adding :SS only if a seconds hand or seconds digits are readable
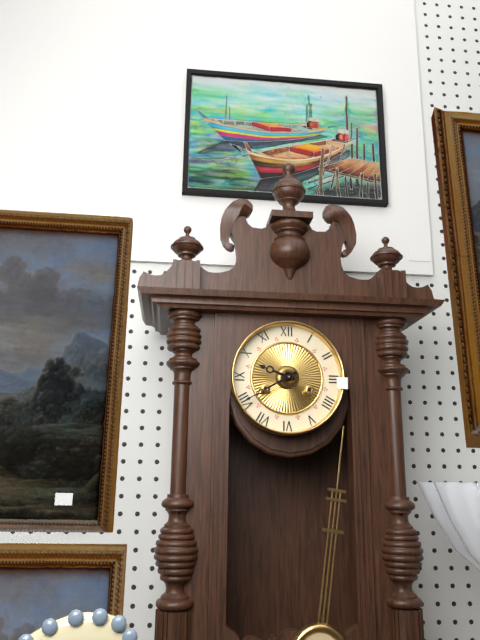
9:40
